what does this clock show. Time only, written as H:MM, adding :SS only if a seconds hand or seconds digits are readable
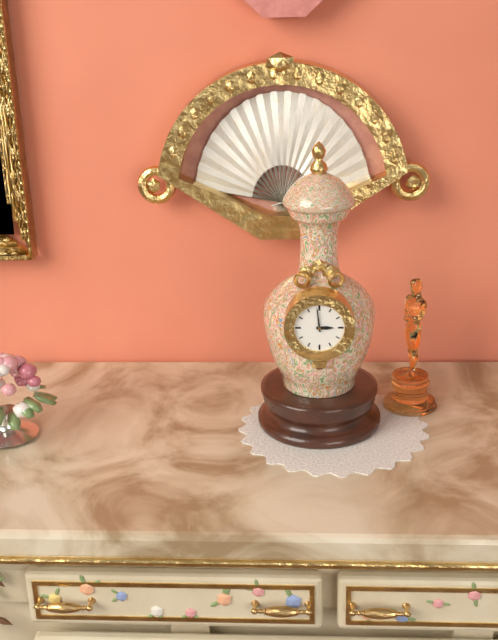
2:59
